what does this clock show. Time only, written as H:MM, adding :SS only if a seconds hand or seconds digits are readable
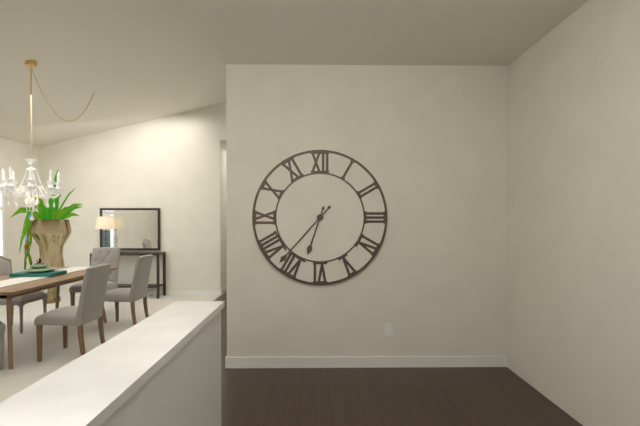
6:37
